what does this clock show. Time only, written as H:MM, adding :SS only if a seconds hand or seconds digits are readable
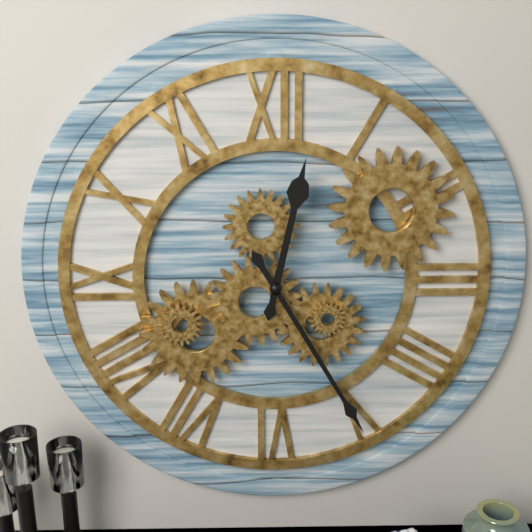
12:25
